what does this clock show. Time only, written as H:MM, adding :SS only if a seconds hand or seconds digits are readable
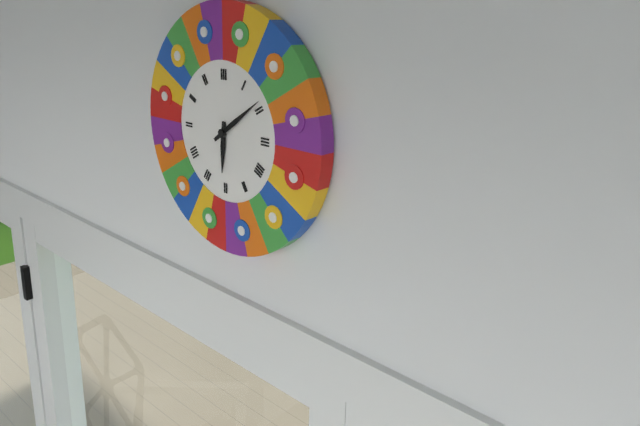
6:09
